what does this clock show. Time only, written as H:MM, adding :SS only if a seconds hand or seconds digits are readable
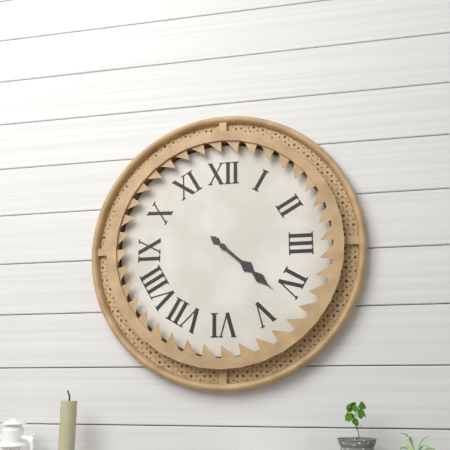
4:22
